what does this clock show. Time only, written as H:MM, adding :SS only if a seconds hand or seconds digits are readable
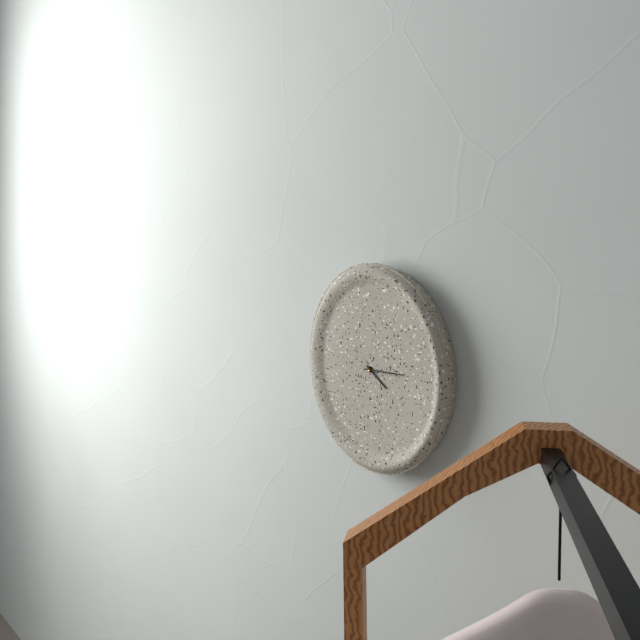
4:15
